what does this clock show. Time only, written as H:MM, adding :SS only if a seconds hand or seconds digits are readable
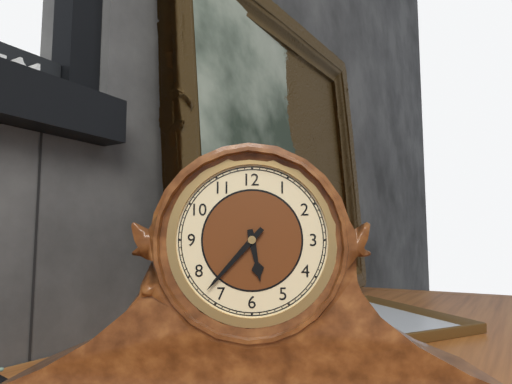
5:37
